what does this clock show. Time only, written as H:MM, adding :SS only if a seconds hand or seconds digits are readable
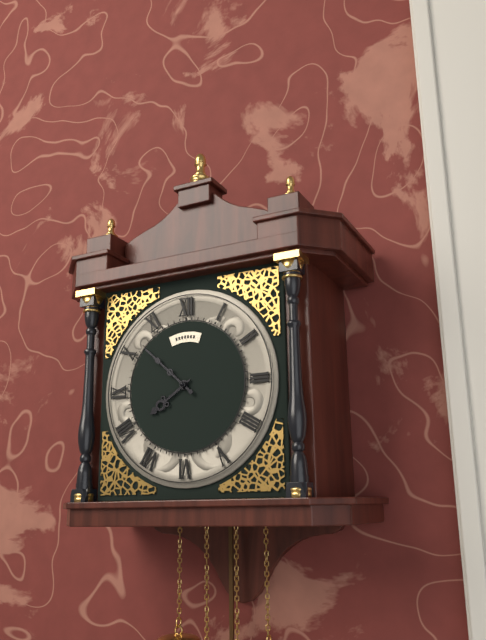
7:52
